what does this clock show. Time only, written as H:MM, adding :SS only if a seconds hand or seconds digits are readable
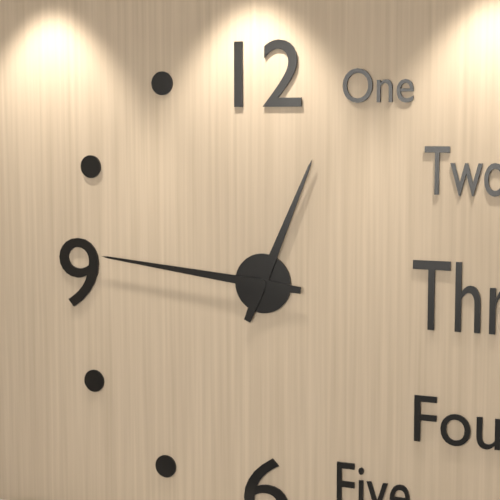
12:46
